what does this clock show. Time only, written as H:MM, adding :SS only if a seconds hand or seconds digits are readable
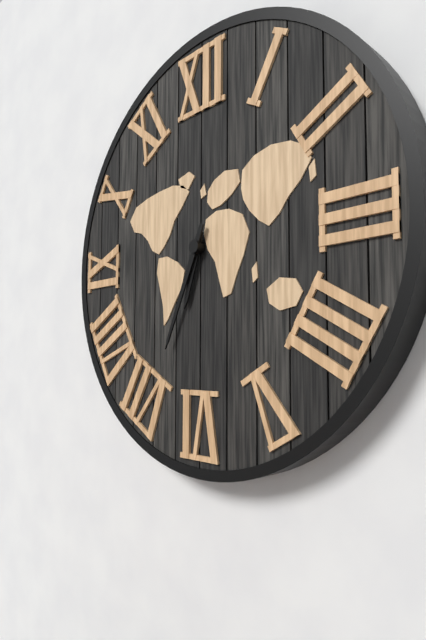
6:34
